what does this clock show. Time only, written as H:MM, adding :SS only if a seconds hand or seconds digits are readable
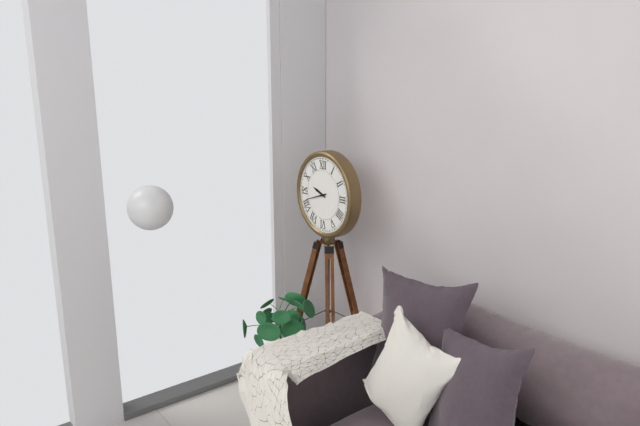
9:42
